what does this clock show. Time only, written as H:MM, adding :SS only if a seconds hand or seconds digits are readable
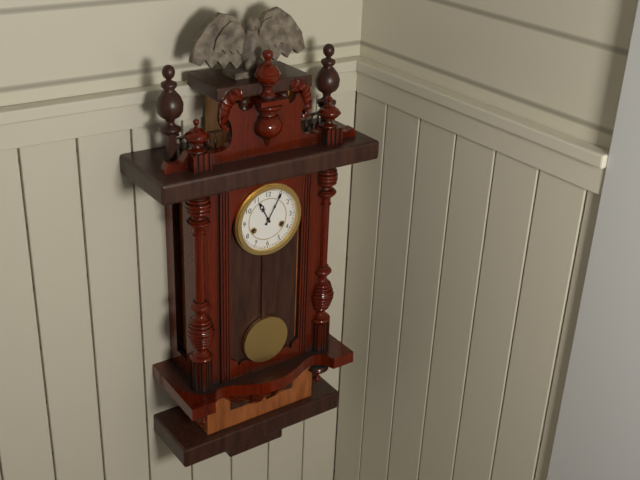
11:05
